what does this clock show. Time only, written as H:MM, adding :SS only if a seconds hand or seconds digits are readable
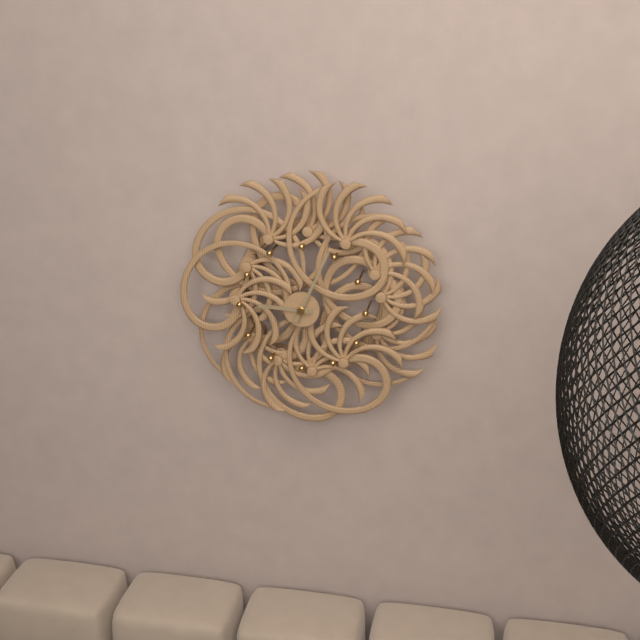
9:04
